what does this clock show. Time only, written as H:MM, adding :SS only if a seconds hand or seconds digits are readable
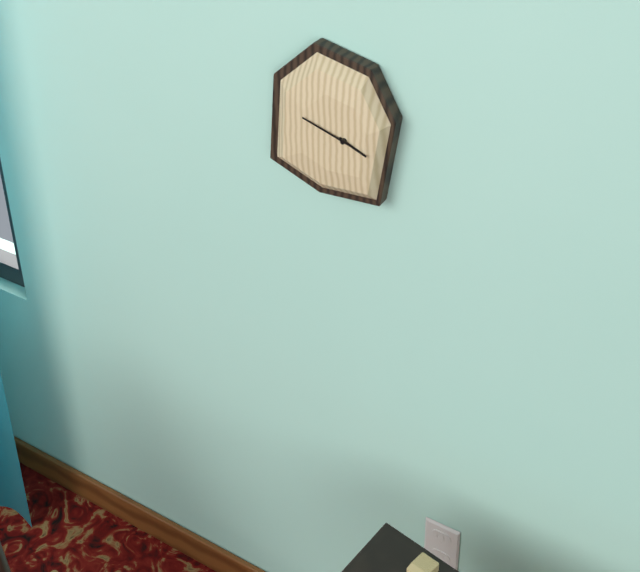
3:48
